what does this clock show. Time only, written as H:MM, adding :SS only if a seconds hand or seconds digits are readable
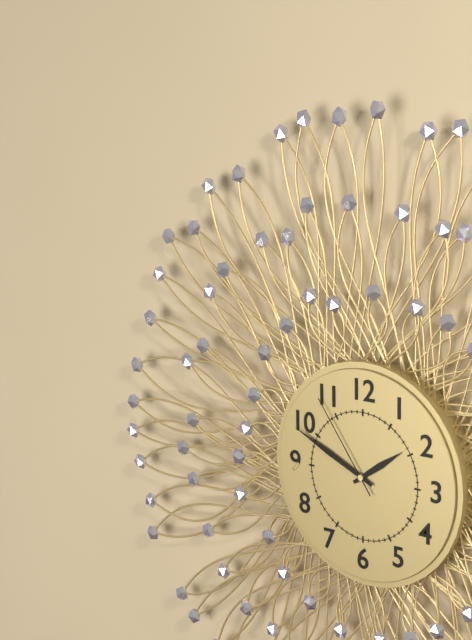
1:49:54
